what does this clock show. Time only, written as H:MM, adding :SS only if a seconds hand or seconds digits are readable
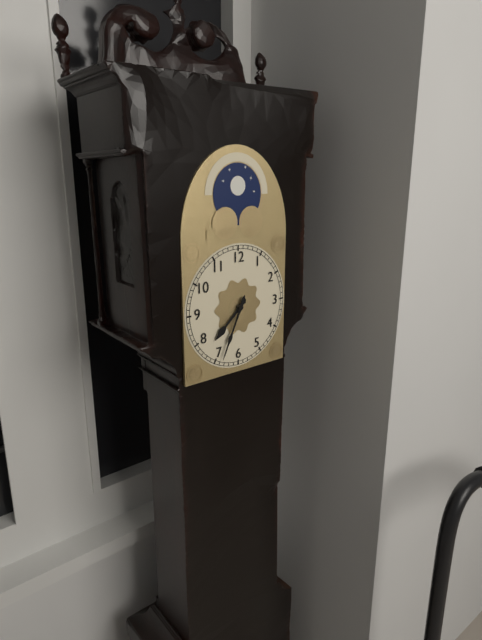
7:34
